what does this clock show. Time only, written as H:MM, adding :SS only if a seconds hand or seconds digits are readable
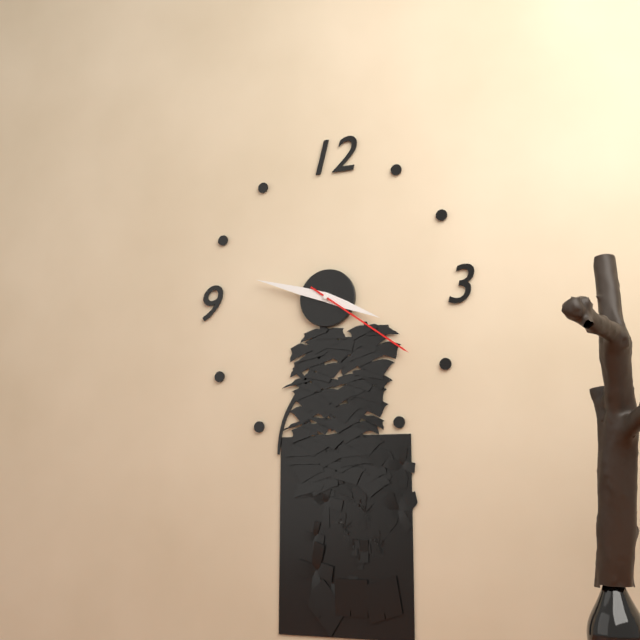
3:48:21
